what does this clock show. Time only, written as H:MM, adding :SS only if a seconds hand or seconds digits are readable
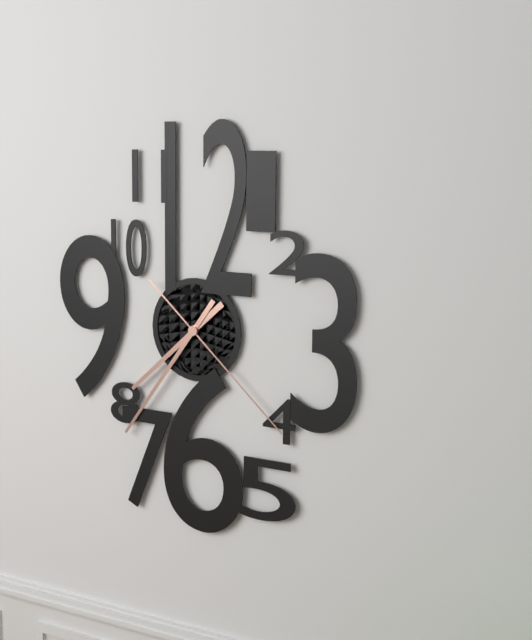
7:36:22
